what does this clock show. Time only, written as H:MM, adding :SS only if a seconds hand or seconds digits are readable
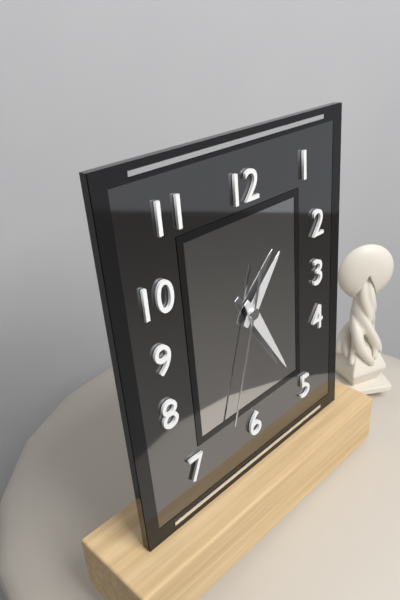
1:25:33
